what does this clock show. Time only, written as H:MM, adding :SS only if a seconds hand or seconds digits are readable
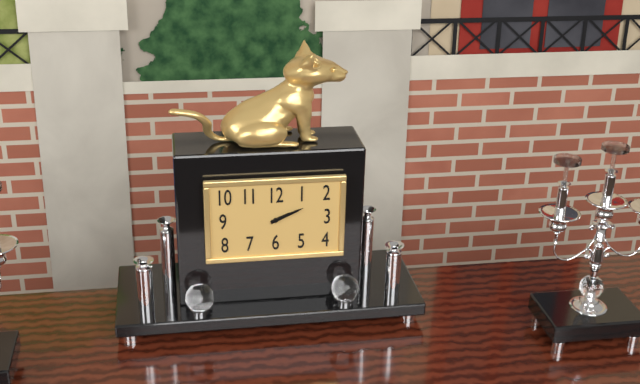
2:11
